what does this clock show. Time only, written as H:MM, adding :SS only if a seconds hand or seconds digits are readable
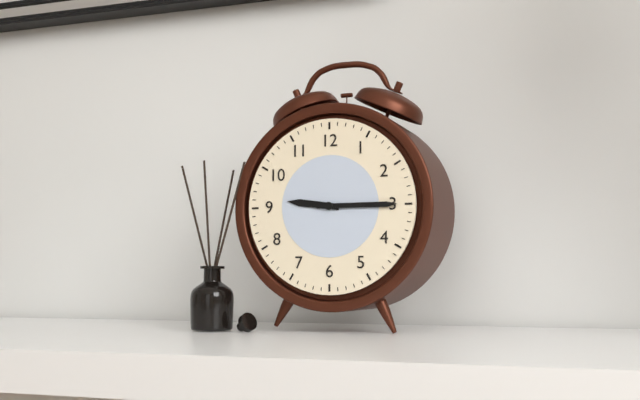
9:15
